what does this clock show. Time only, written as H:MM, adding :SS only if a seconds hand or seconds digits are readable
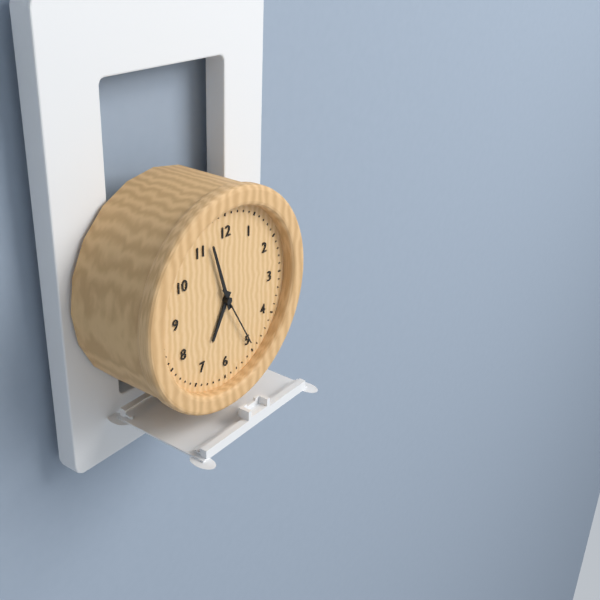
6:57:25
